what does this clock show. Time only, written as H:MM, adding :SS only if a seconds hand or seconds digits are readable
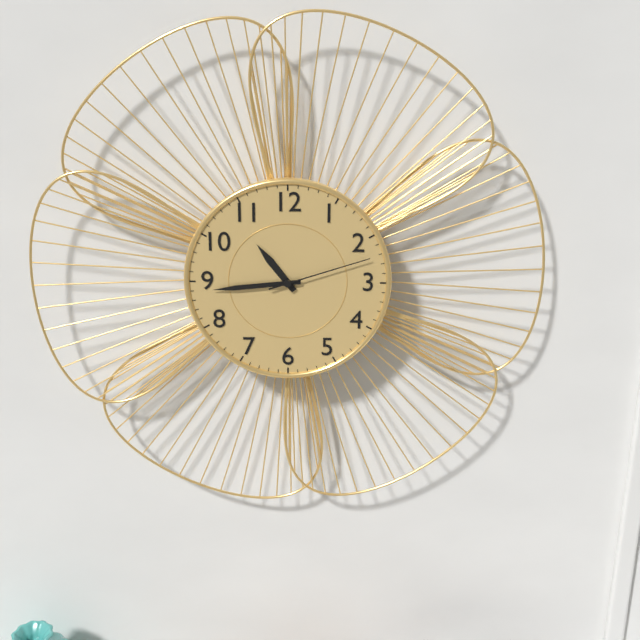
10:44:12
